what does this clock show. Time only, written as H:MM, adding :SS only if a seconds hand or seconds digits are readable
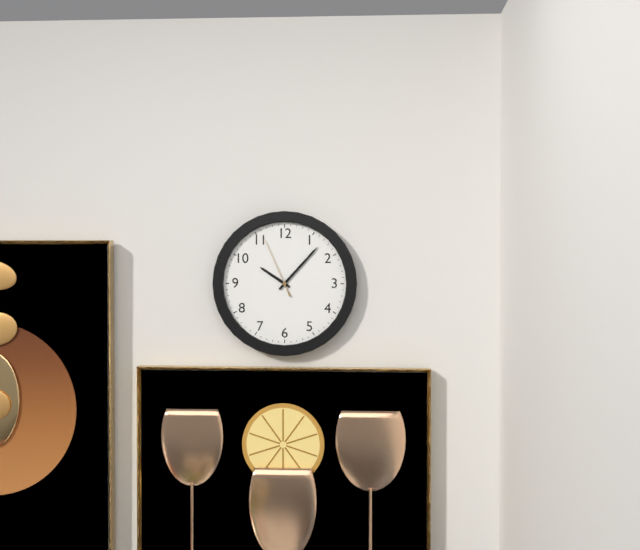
10:07:56
